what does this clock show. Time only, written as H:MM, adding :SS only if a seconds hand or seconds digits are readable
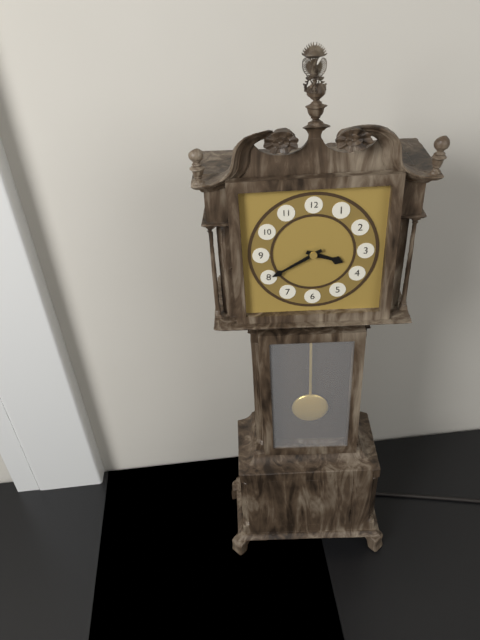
3:40
